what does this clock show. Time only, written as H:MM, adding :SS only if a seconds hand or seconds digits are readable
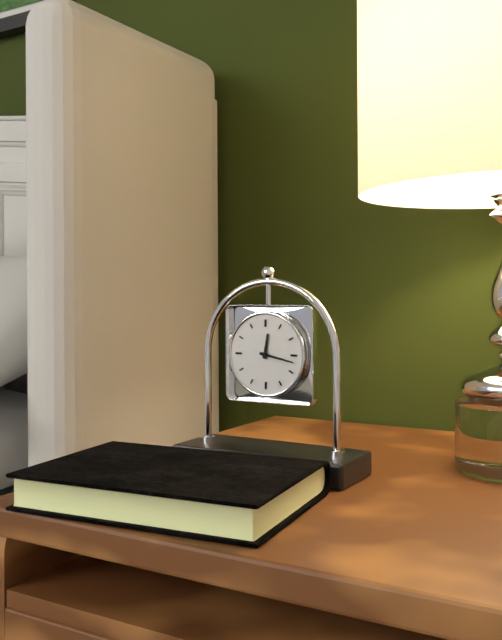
12:17
